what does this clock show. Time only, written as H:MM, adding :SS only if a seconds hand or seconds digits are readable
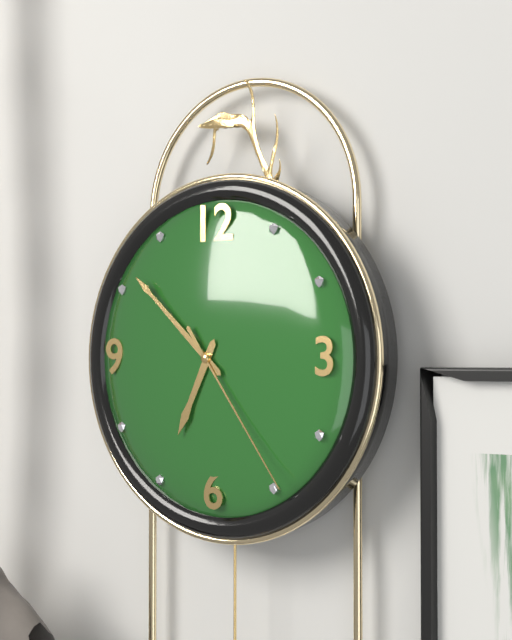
6:52:24
